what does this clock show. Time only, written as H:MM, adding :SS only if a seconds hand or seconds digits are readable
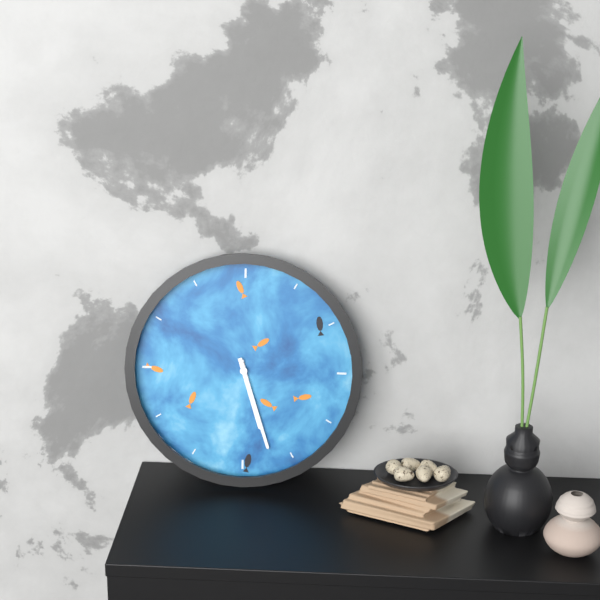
5:27
